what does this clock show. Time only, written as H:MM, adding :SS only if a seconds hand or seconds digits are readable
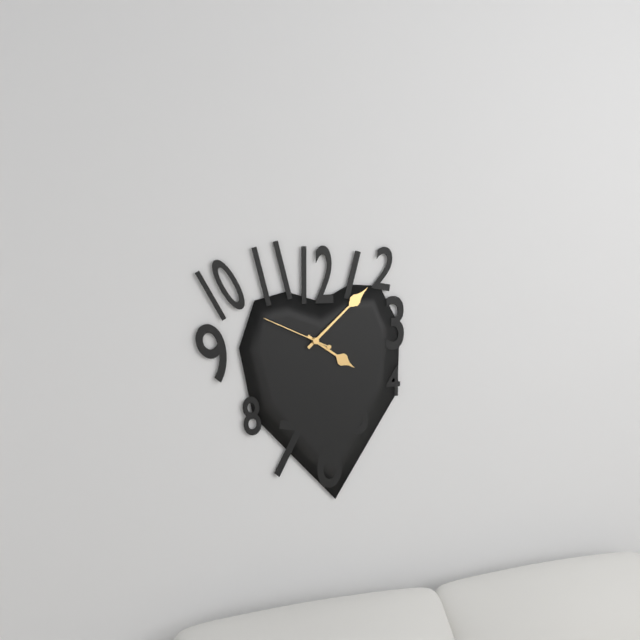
4:08:49
